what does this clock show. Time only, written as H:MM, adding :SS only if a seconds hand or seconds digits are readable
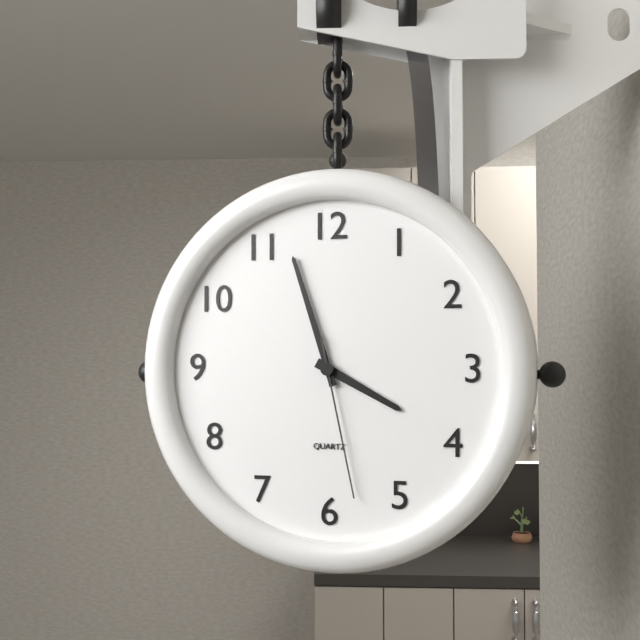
3:57:28
